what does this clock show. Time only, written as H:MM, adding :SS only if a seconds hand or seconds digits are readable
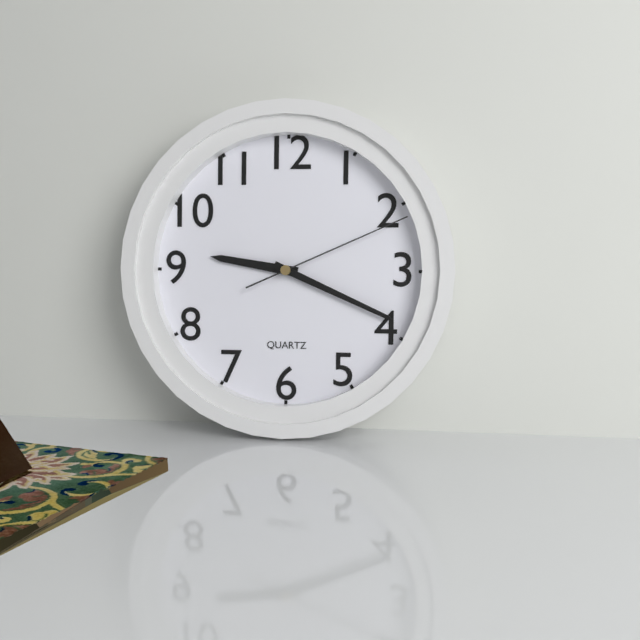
9:19:11
